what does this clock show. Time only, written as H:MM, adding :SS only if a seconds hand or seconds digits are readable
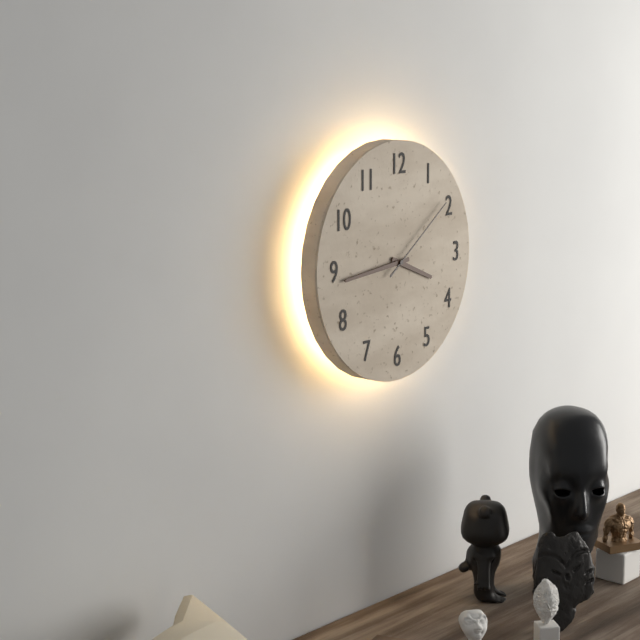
3:44:09
